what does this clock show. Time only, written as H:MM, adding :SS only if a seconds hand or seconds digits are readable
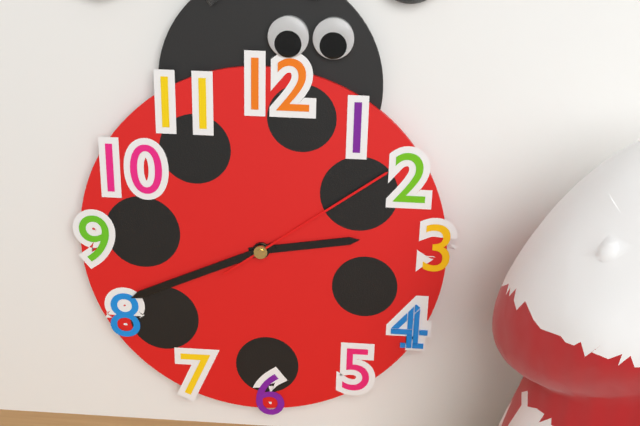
2:41:09
